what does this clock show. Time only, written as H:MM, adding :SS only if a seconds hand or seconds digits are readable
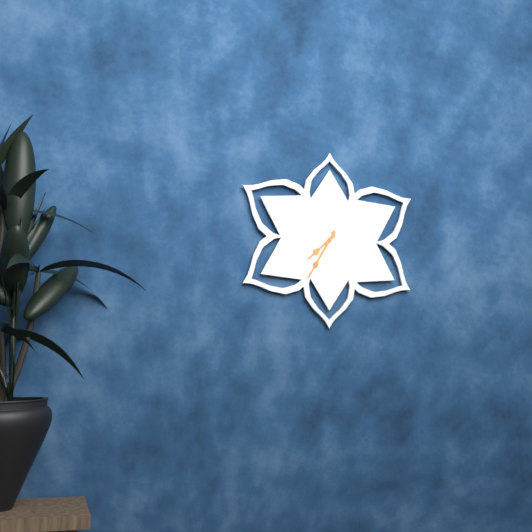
7:35
